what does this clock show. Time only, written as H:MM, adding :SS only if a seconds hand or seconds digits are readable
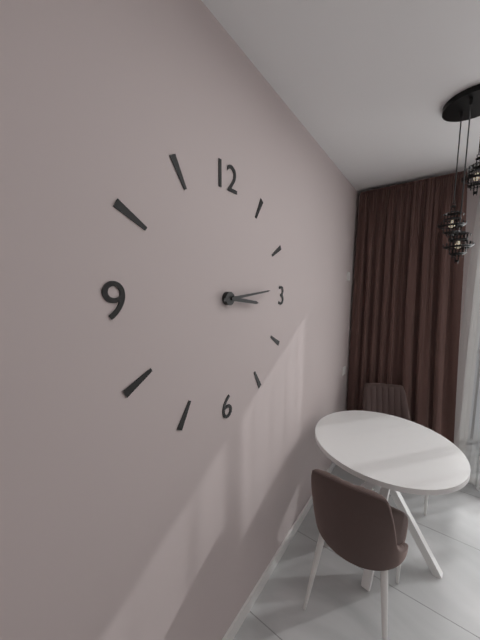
3:14
